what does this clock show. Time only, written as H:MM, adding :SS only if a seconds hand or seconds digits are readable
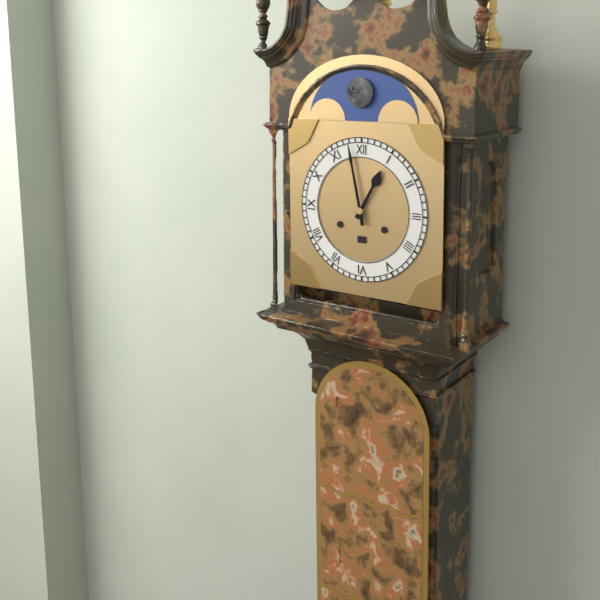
12:58
